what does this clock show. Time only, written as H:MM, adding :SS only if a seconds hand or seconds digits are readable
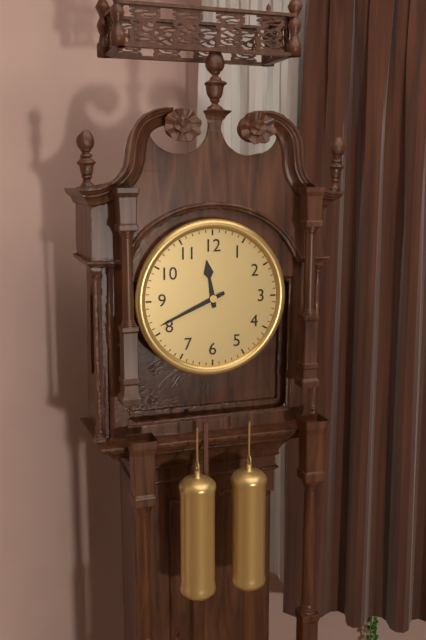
11:41
